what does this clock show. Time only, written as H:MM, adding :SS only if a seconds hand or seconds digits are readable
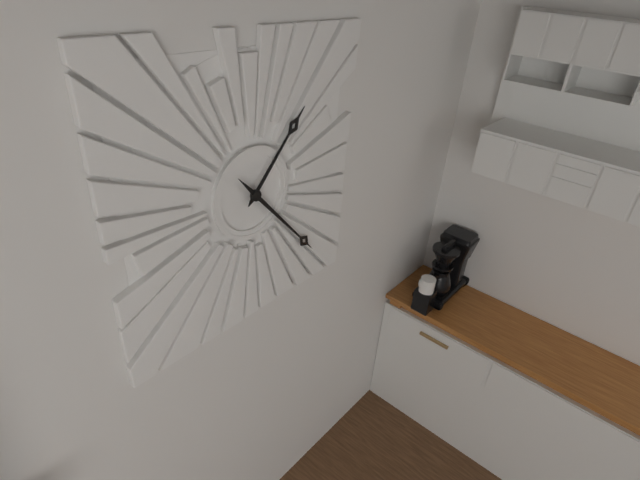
1:23
